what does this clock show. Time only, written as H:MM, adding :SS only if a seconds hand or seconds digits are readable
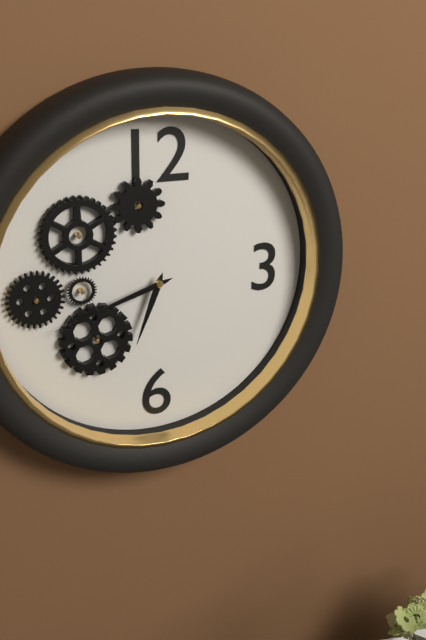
6:42
